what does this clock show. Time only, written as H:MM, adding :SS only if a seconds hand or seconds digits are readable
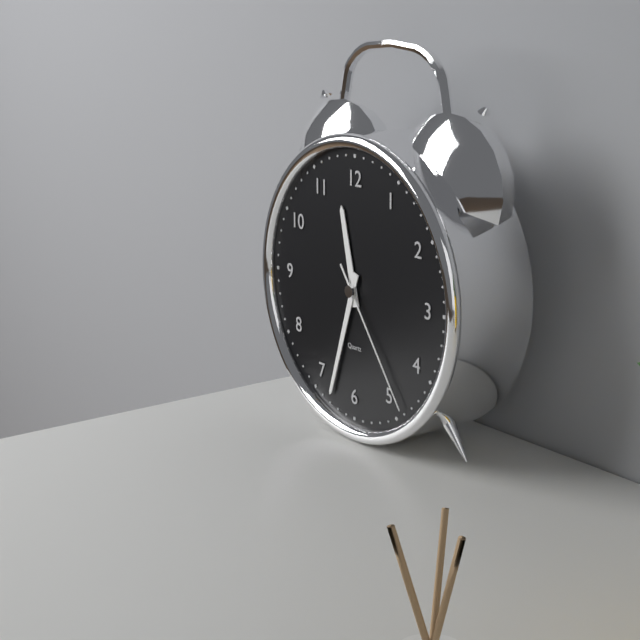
11:33:24
